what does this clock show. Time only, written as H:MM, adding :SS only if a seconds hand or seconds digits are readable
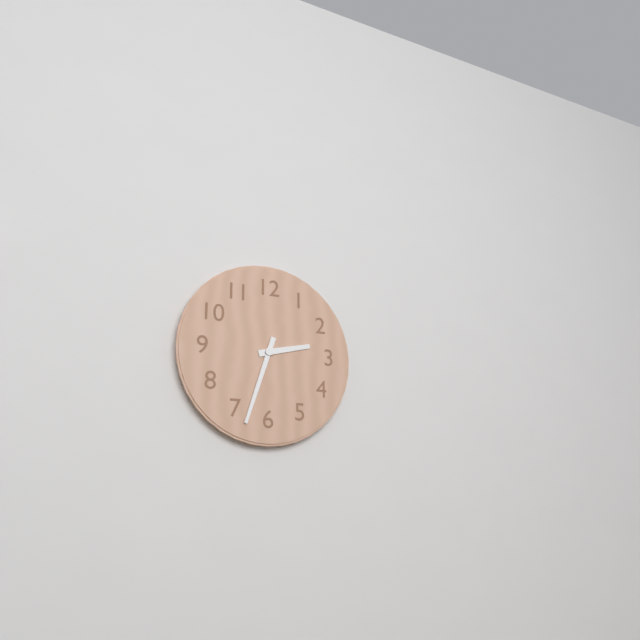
2:33
